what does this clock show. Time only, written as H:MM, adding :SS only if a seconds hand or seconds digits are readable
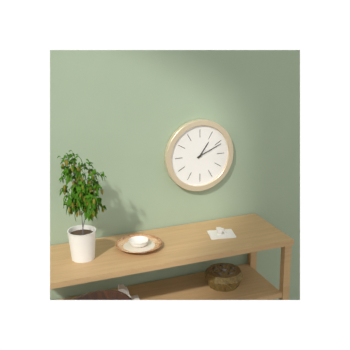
1:11
